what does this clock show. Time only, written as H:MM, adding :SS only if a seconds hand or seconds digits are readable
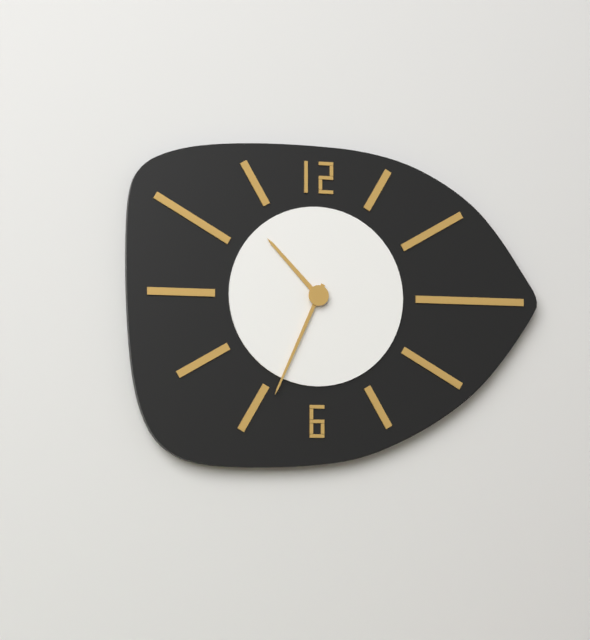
10:34
